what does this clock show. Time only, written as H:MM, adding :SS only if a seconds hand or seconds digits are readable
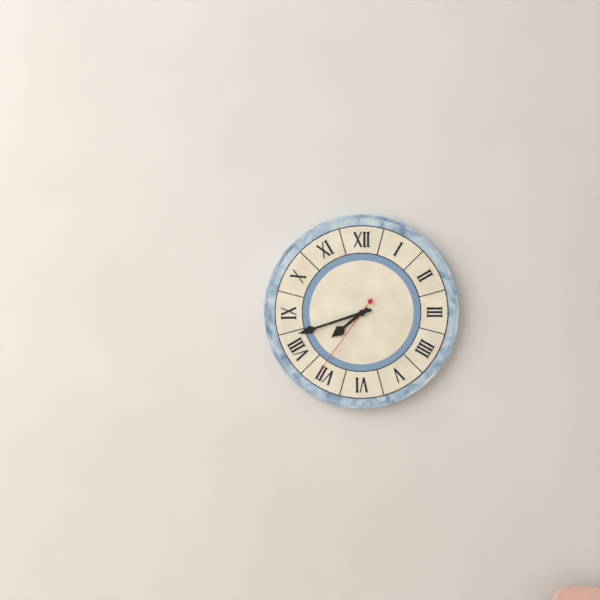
7:42:36
